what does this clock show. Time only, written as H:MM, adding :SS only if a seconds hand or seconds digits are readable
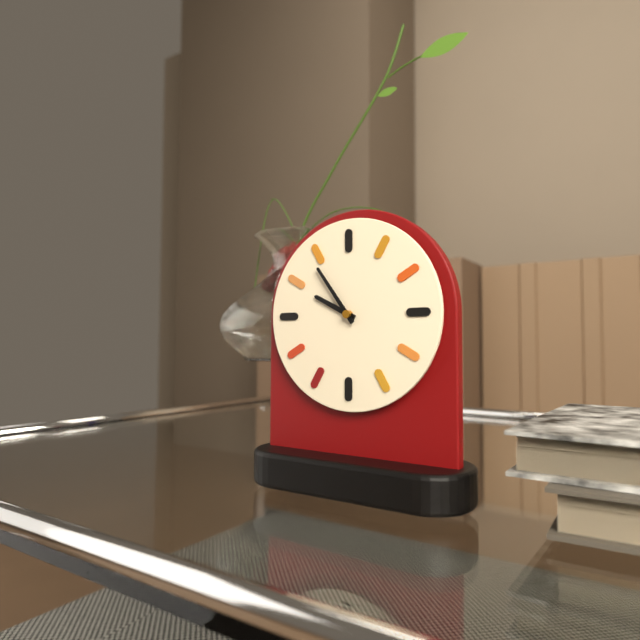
9:54
